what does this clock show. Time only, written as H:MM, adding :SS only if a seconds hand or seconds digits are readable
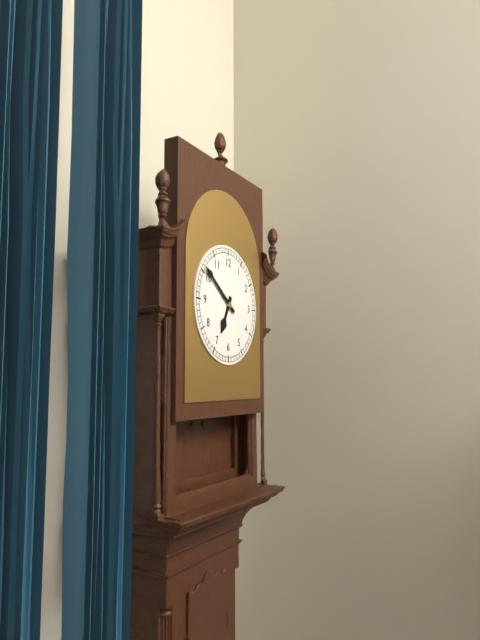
6:51
